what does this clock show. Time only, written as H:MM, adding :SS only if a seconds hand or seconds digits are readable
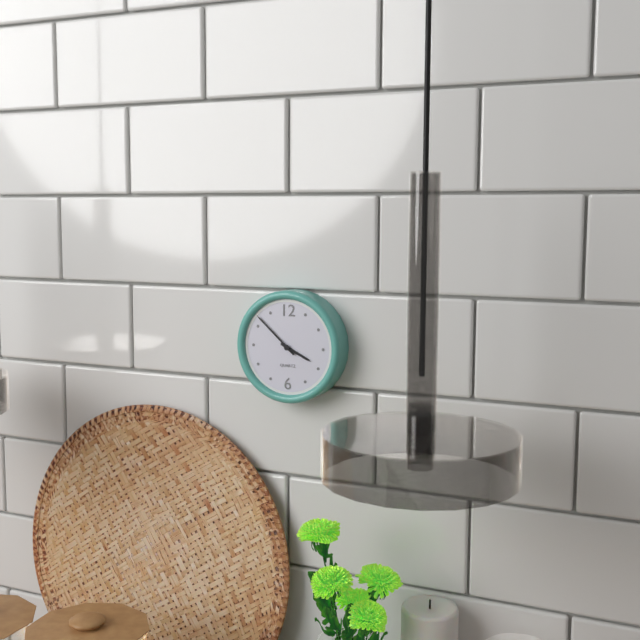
3:52
